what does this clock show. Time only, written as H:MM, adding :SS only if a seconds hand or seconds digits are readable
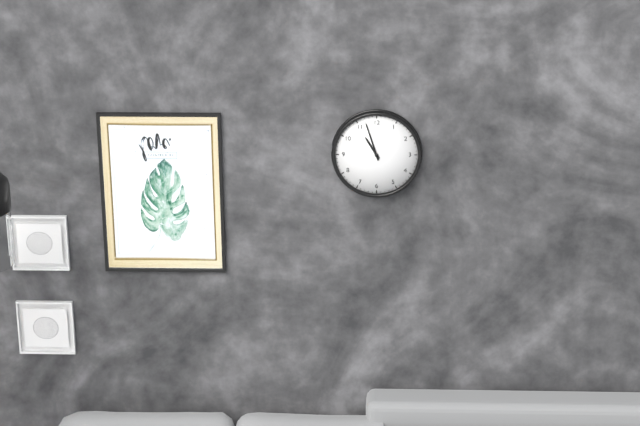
10:57
